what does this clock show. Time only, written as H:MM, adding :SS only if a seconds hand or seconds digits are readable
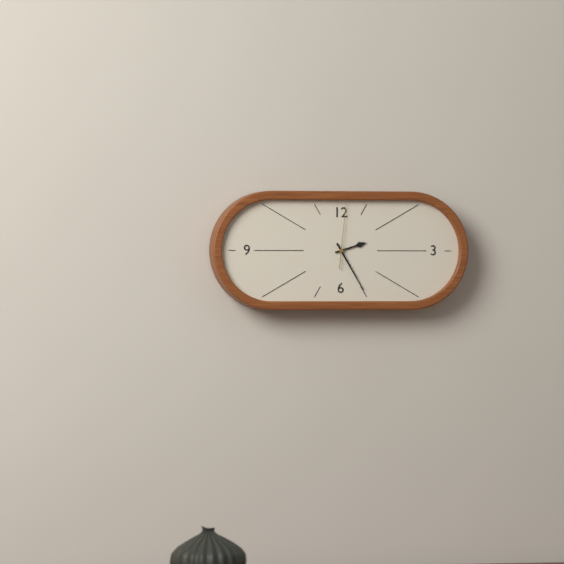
2:25:01
